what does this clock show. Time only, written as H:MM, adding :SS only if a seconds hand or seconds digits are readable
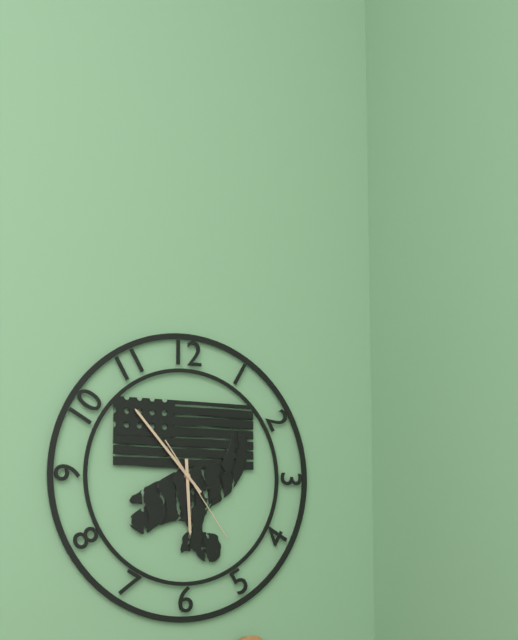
5:53:24
